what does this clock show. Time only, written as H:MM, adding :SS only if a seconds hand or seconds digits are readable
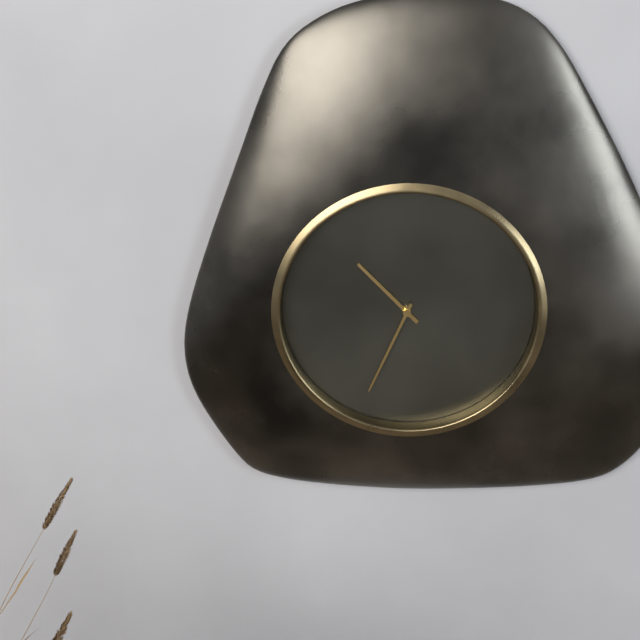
10:34
